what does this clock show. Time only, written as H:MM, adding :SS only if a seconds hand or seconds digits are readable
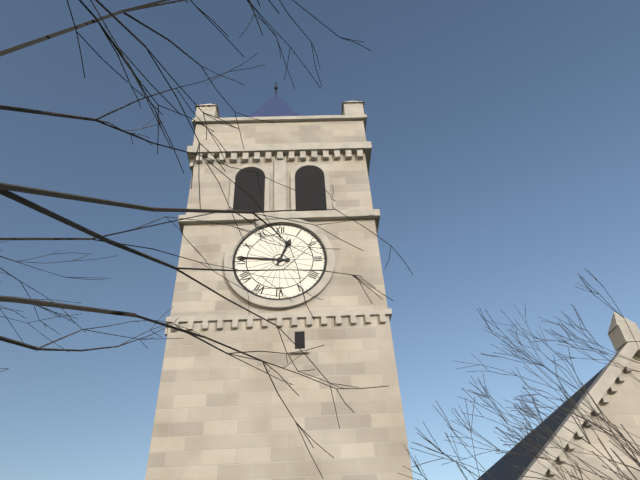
12:46
